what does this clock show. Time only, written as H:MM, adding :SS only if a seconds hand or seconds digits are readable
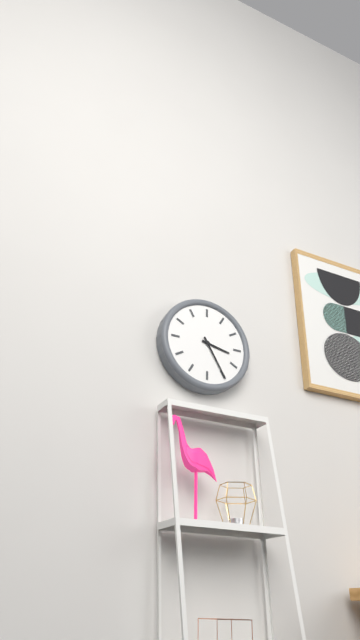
3:25
